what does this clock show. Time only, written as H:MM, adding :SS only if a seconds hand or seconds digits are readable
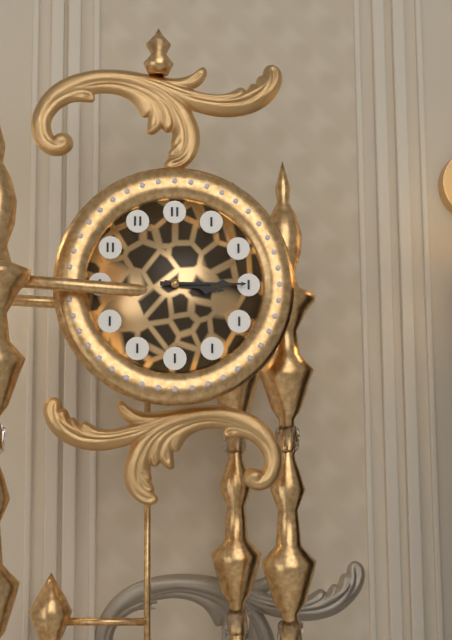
3:15
